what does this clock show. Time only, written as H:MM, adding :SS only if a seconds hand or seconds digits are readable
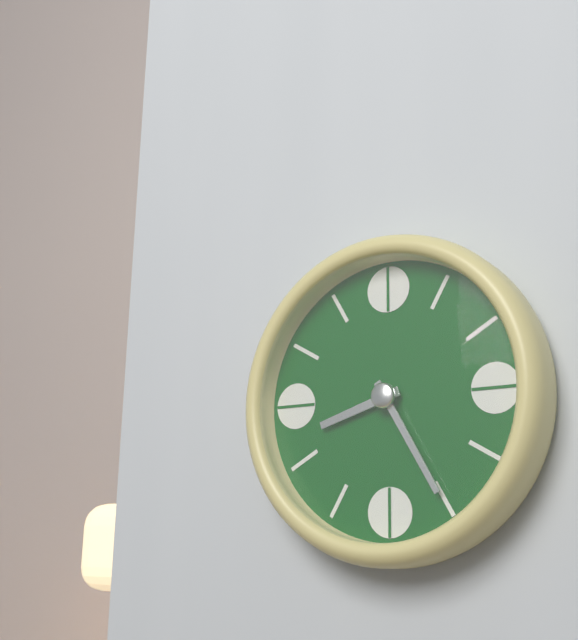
8:25
